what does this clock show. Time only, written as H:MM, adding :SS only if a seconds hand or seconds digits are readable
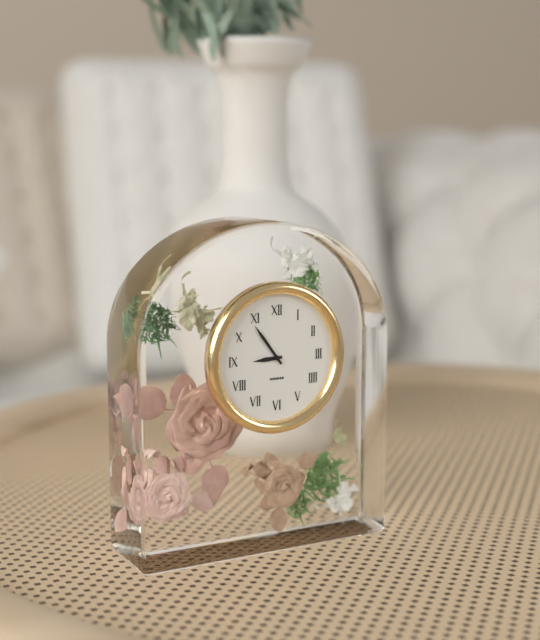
8:54
